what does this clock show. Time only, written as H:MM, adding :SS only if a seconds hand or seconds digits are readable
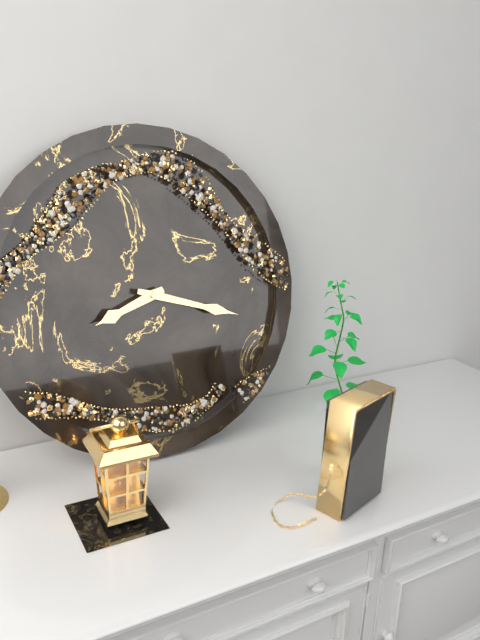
8:18
